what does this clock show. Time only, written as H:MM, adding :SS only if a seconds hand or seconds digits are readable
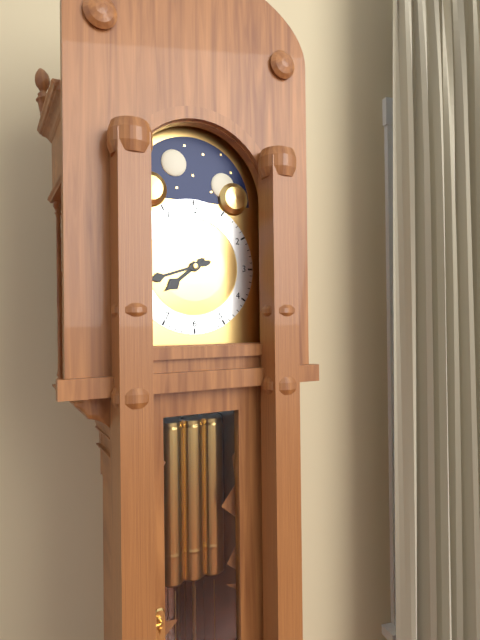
7:42
